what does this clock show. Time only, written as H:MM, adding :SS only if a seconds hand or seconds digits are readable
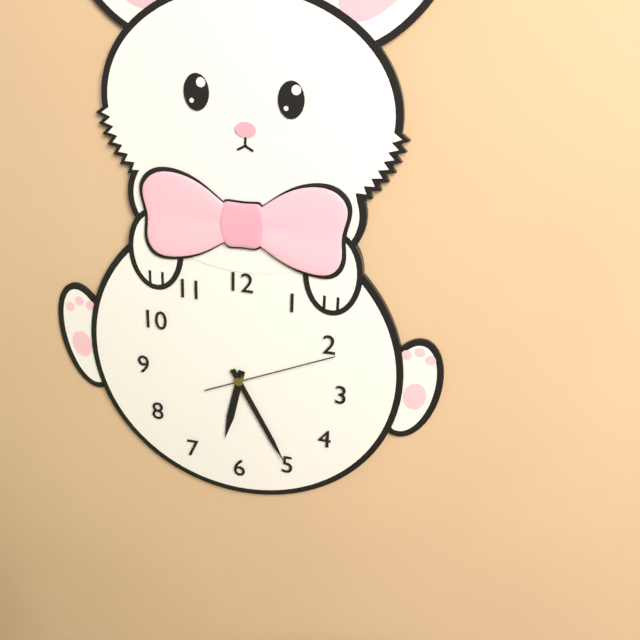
6:25:11
